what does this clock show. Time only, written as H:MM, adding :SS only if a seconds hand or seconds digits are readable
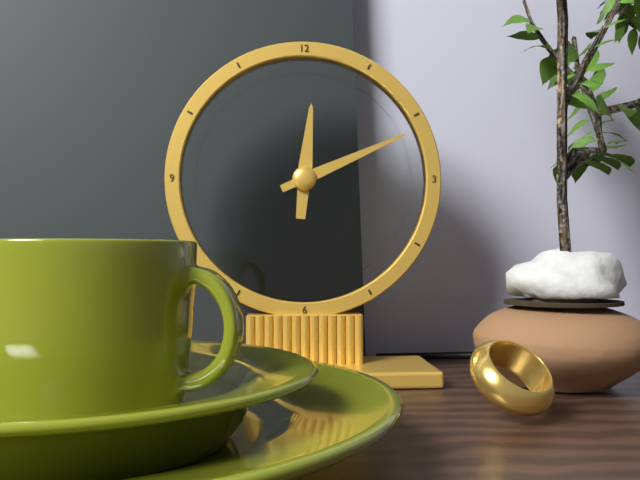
12:11
